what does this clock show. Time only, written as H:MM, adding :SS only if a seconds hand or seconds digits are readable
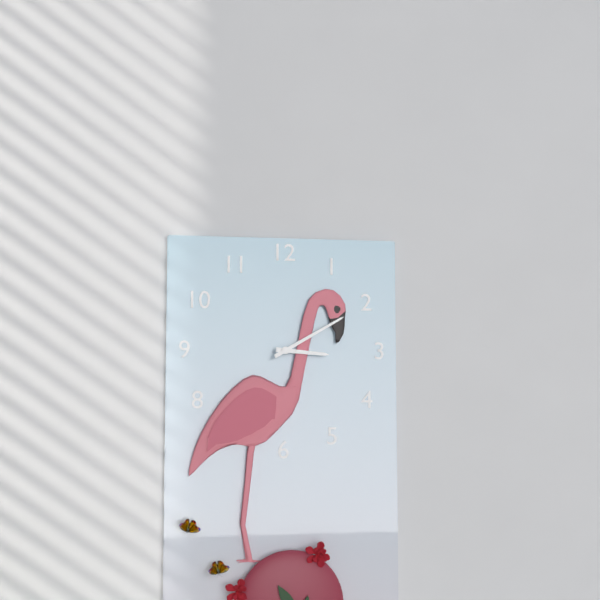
3:10
